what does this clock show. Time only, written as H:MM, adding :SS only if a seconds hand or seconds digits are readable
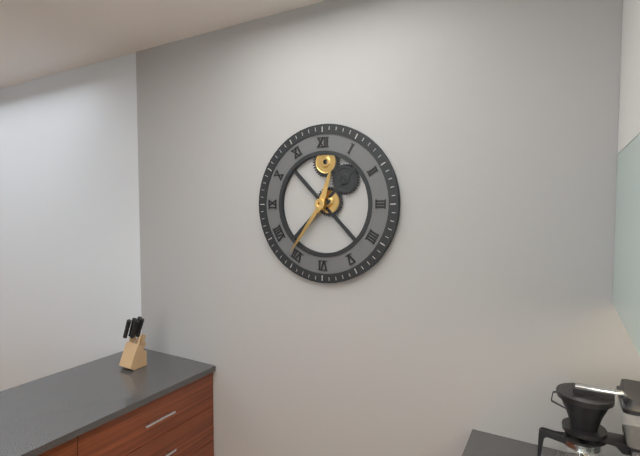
12:36
